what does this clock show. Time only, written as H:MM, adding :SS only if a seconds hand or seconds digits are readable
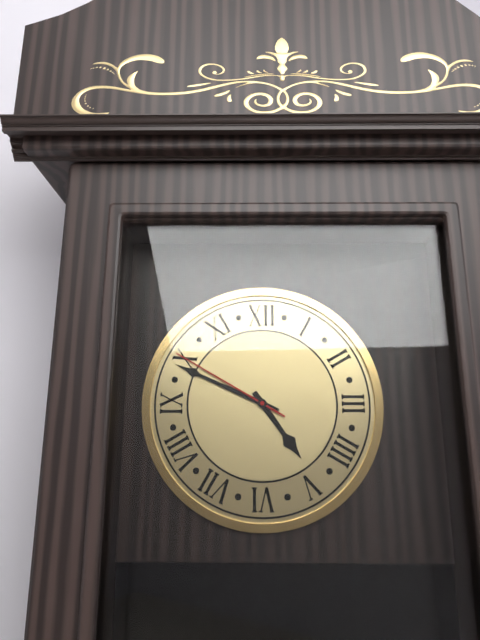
4:49:50
